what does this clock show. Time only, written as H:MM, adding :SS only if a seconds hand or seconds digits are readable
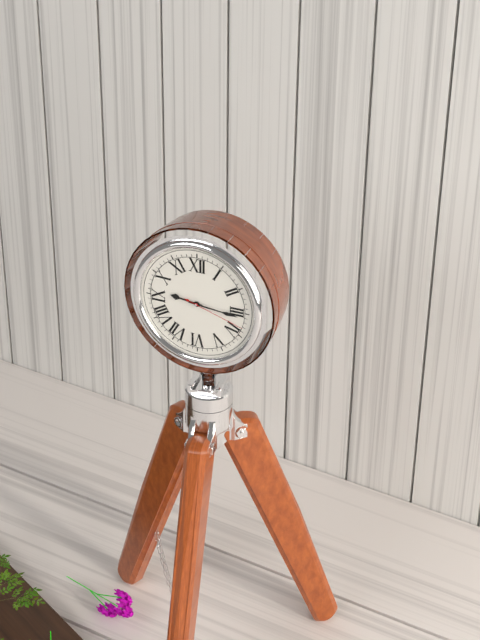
9:16:18
